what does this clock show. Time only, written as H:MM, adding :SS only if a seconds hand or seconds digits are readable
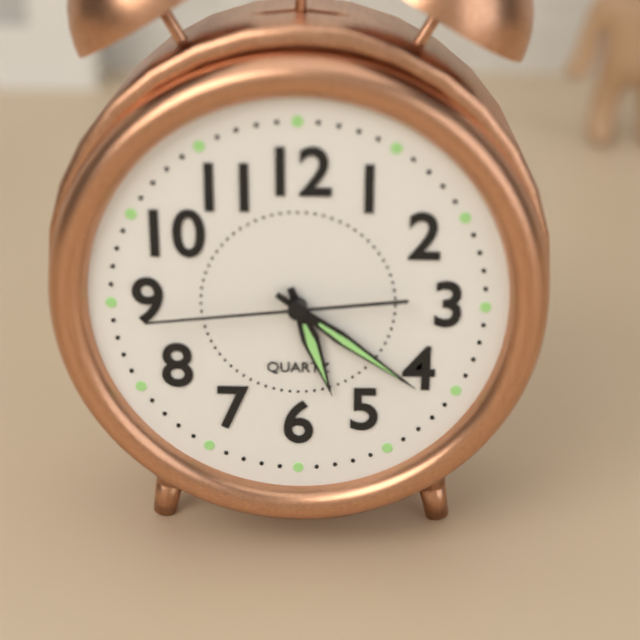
5:21:44
